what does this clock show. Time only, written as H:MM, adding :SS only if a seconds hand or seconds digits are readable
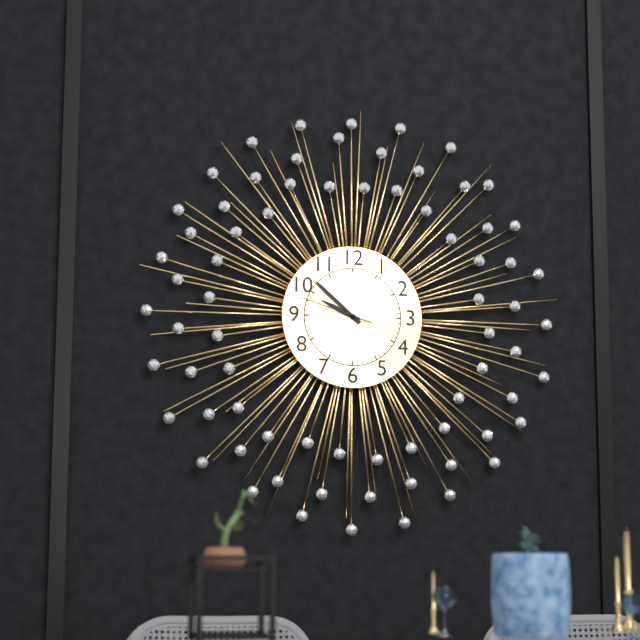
9:52:48
